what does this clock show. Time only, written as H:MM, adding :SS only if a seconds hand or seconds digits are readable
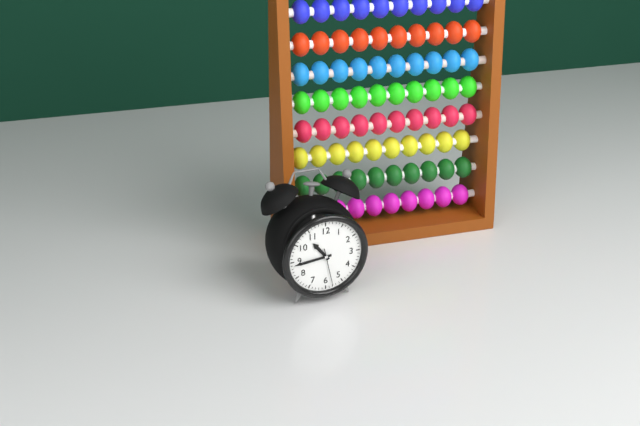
10:44
